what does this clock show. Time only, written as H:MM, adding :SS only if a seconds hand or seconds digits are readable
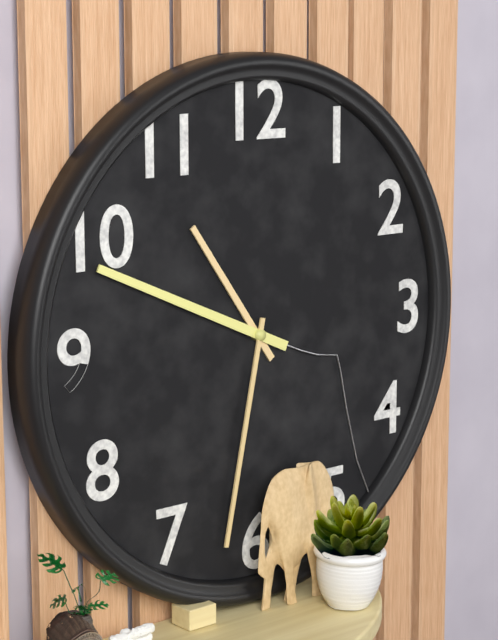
10:49:32
